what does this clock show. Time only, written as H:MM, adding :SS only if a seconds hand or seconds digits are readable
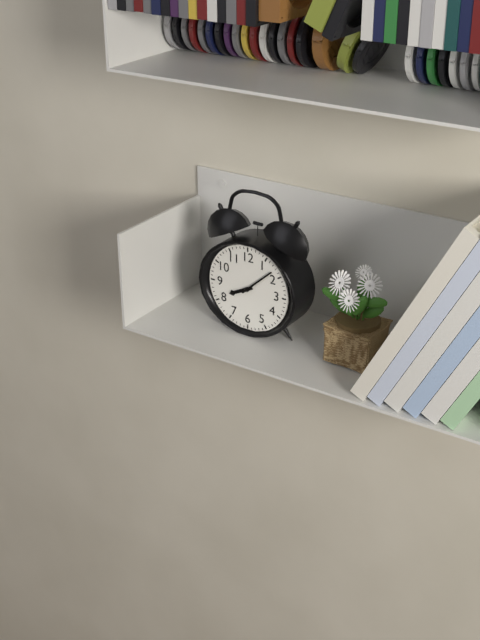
8:08
